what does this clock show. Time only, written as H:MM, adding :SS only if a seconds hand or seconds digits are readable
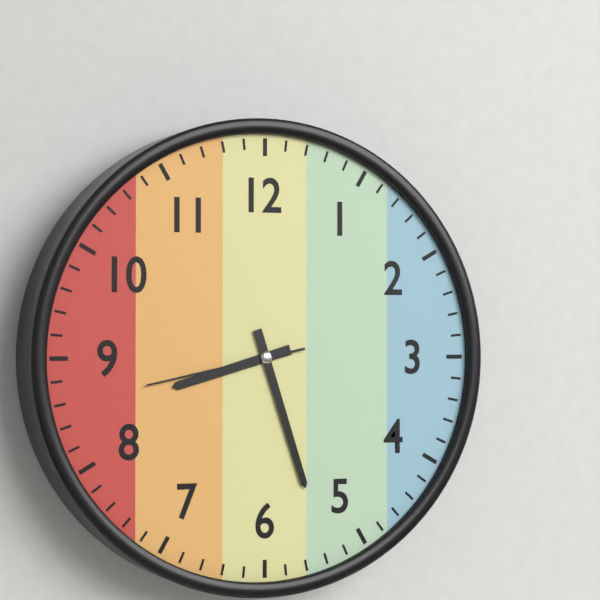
8:27:43
